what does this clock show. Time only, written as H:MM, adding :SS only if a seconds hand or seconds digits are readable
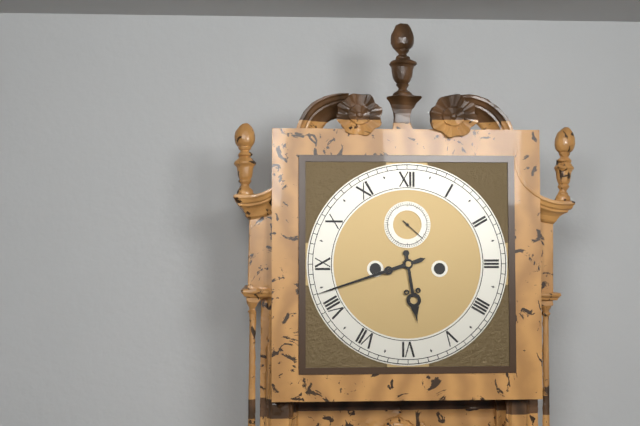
5:42
